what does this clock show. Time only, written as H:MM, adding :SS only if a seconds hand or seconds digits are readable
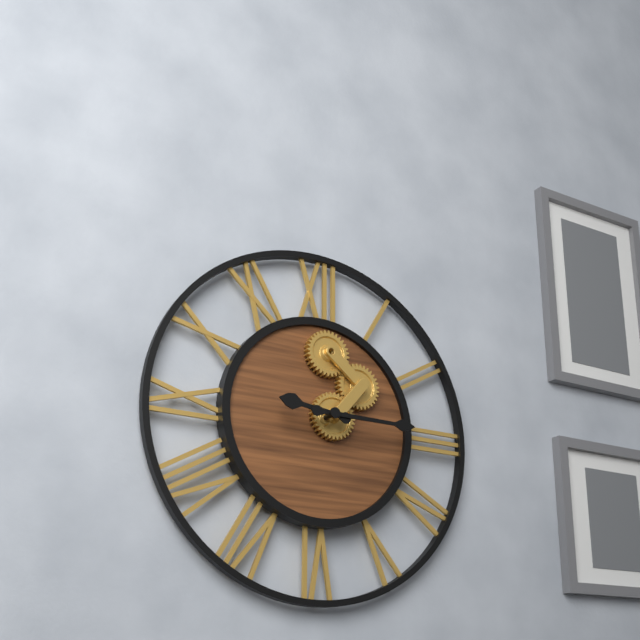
9:15
